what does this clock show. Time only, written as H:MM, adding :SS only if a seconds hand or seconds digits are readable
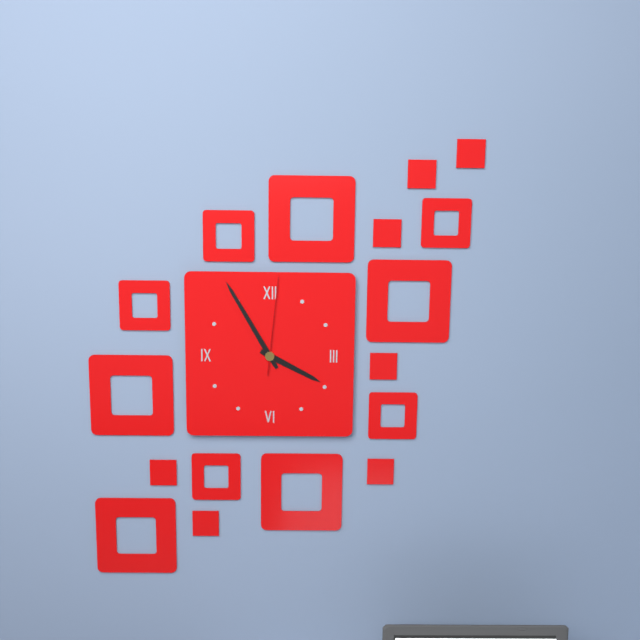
3:55:01
